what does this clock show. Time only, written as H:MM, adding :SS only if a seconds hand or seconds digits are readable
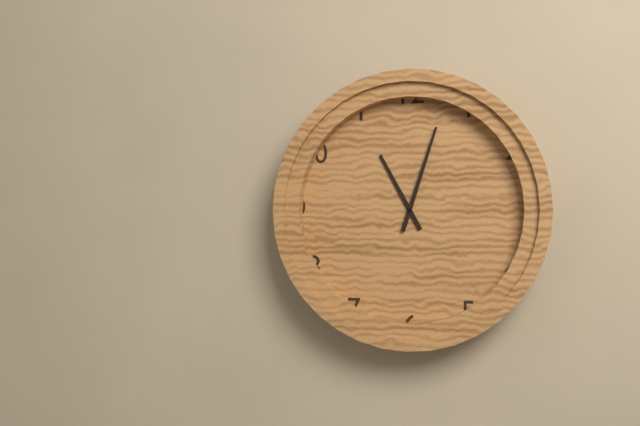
11:03
